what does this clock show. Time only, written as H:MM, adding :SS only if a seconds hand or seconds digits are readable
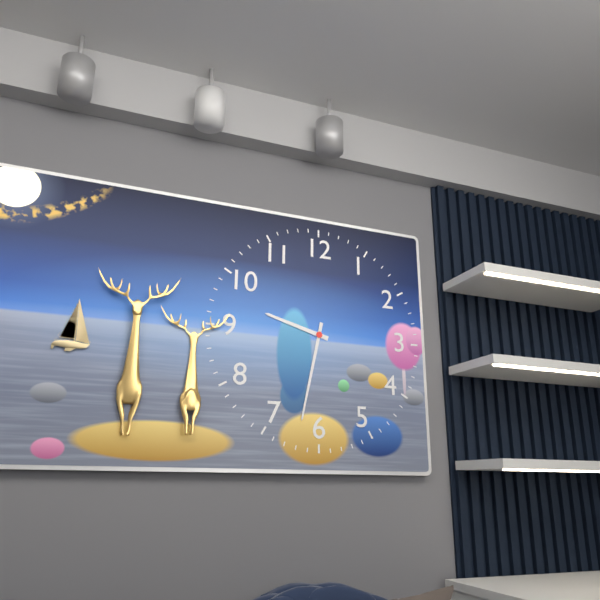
9:32
